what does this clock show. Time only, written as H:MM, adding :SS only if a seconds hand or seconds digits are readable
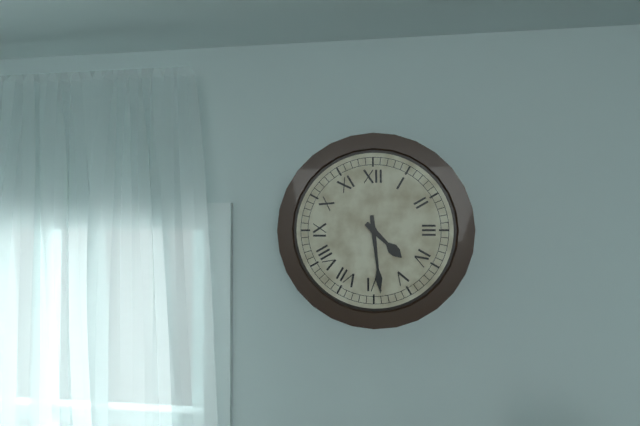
4:29
